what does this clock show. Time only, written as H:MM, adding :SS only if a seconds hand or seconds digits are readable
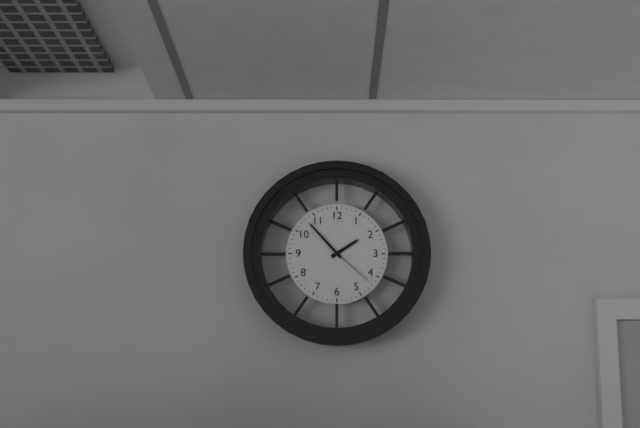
1:53:22
